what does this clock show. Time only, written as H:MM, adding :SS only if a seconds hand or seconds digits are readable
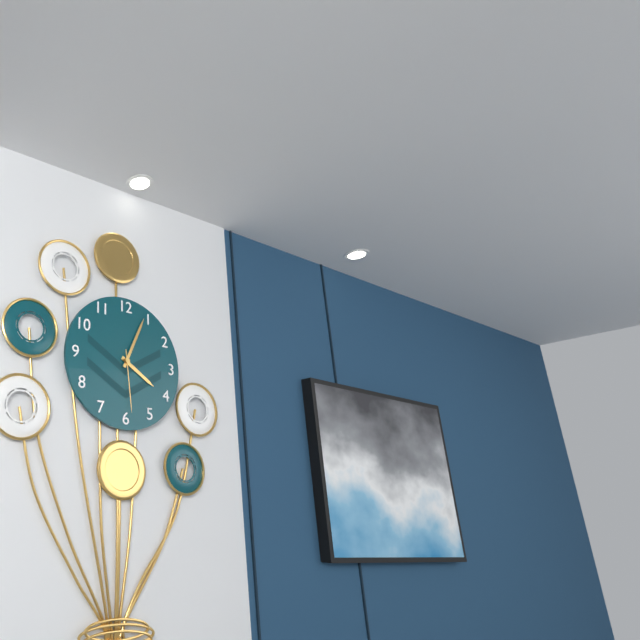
4:04:29
